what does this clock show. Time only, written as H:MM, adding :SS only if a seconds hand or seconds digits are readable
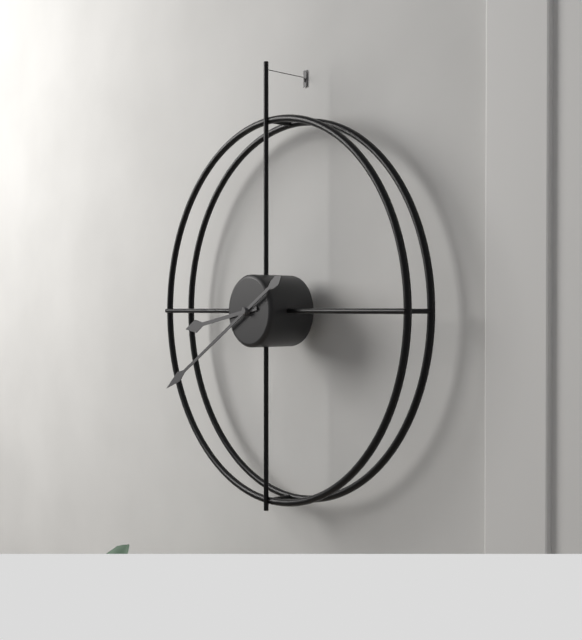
8:40
